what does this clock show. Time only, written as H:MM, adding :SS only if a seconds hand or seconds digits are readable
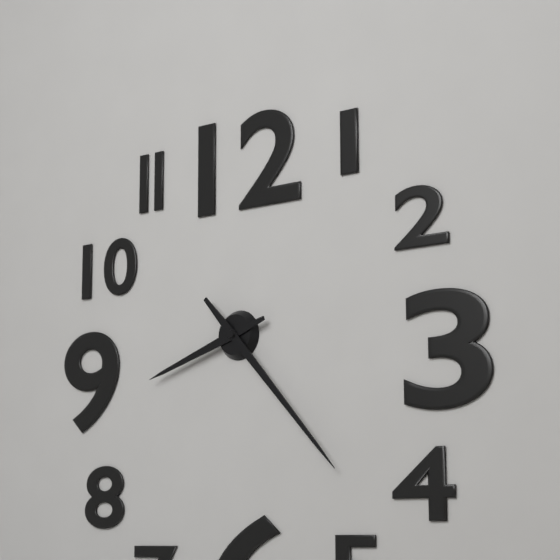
8:23
